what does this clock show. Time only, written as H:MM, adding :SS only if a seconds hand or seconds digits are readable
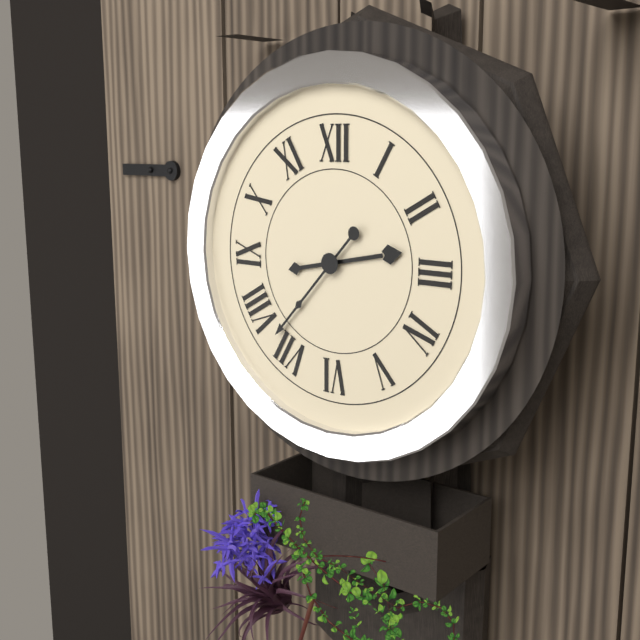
2:37
